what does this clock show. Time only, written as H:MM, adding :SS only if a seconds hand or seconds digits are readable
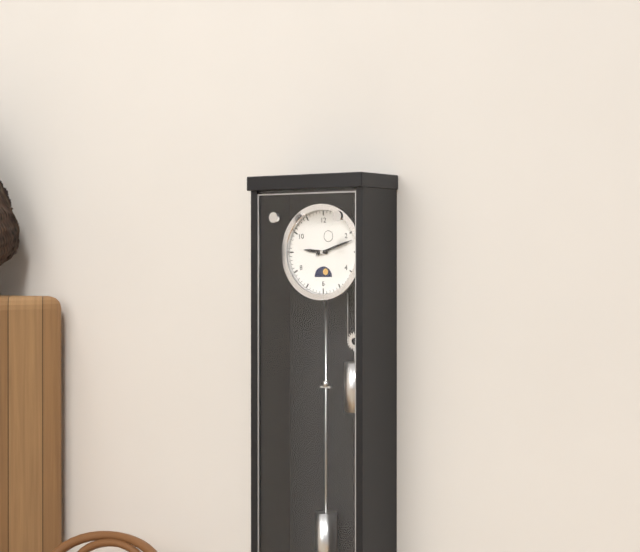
9:12
